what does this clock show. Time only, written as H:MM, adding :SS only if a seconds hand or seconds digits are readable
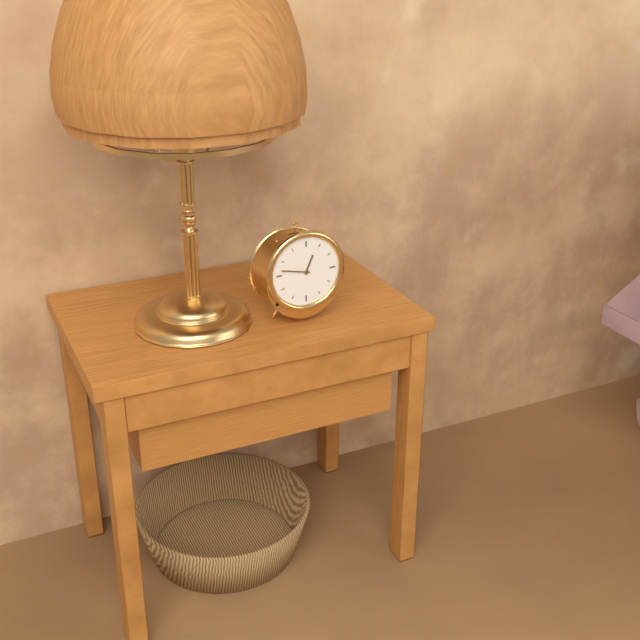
12:47
